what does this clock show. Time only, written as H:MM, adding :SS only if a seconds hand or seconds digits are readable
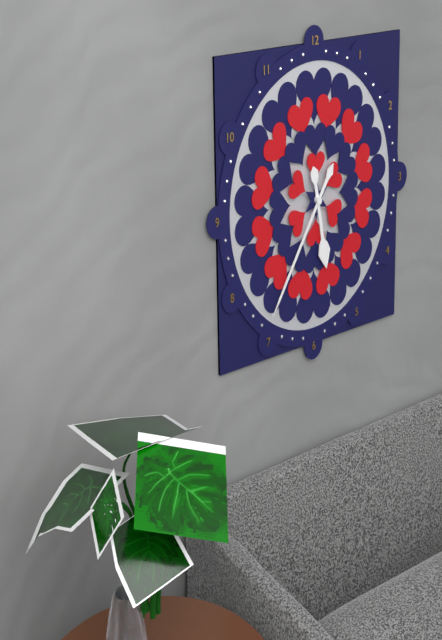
5:36
